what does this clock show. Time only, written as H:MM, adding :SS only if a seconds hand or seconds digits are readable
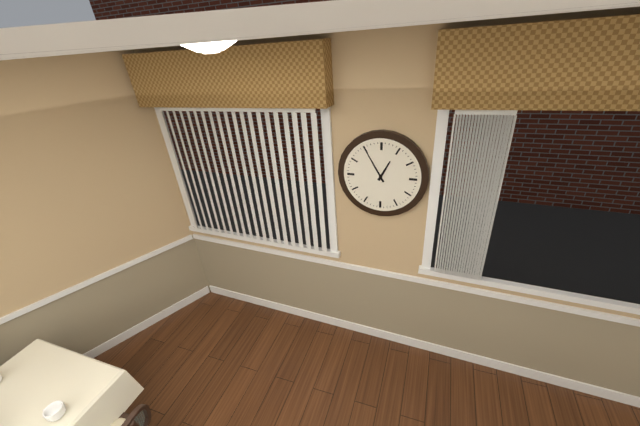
12:55
